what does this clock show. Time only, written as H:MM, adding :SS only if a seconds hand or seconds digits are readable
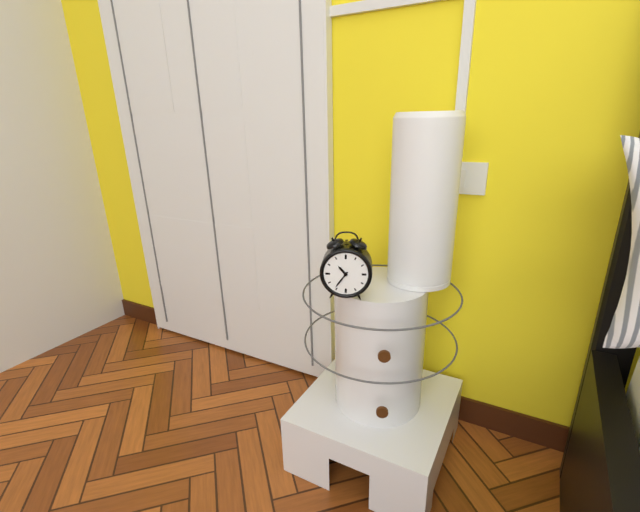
10:36
